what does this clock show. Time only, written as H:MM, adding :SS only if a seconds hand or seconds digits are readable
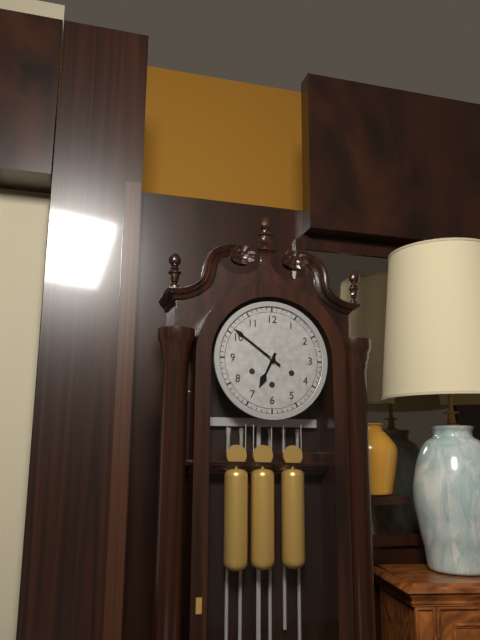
6:51
